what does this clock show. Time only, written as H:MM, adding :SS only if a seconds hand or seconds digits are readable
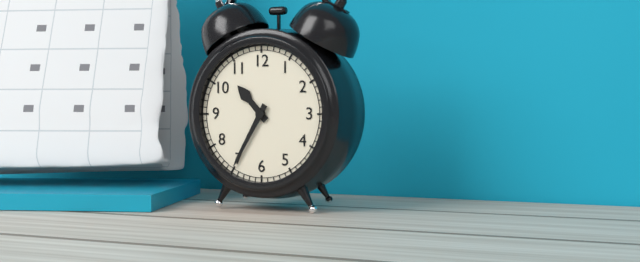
10:35
